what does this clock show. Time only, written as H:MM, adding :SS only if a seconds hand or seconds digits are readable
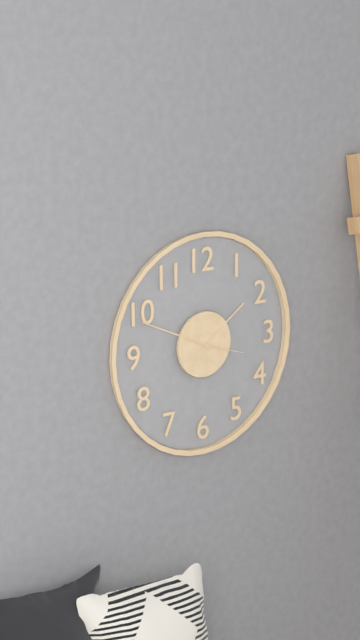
1:49
